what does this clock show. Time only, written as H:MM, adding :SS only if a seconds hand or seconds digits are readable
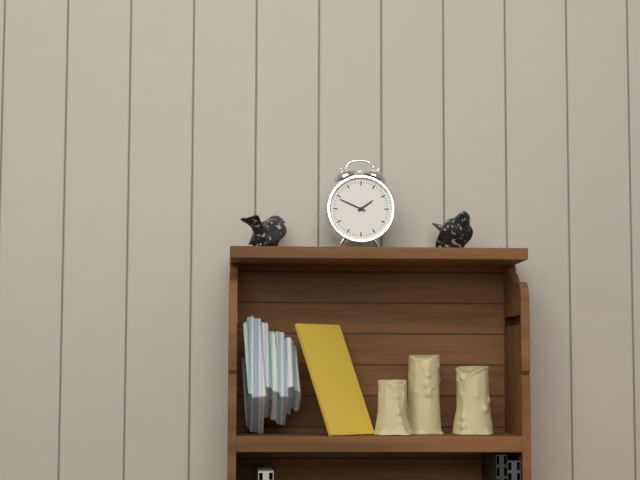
1:49
